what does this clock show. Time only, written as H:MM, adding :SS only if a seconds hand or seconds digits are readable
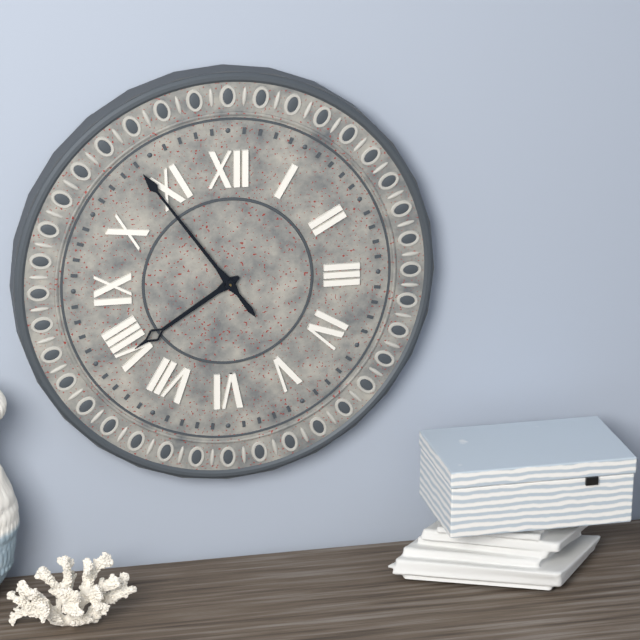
7:54
